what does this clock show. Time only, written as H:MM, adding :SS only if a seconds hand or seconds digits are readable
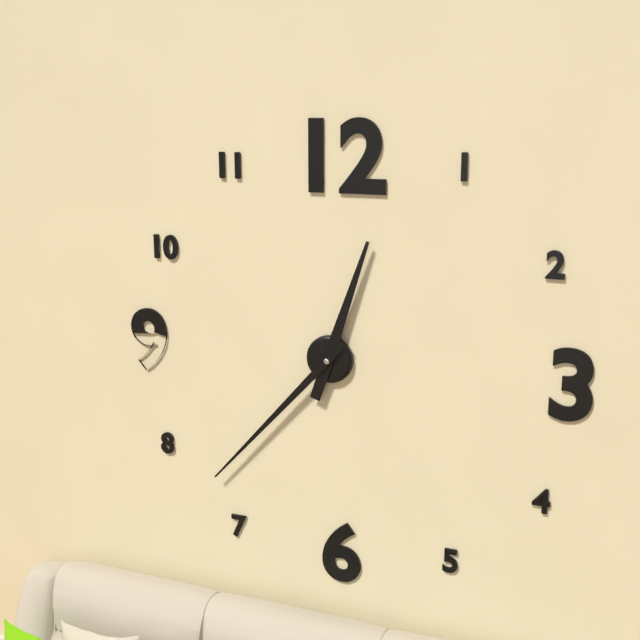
12:37
